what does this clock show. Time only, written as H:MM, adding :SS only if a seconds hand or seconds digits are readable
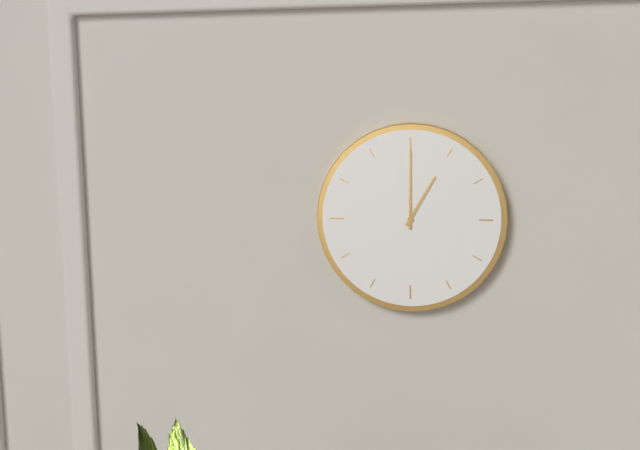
1:00
